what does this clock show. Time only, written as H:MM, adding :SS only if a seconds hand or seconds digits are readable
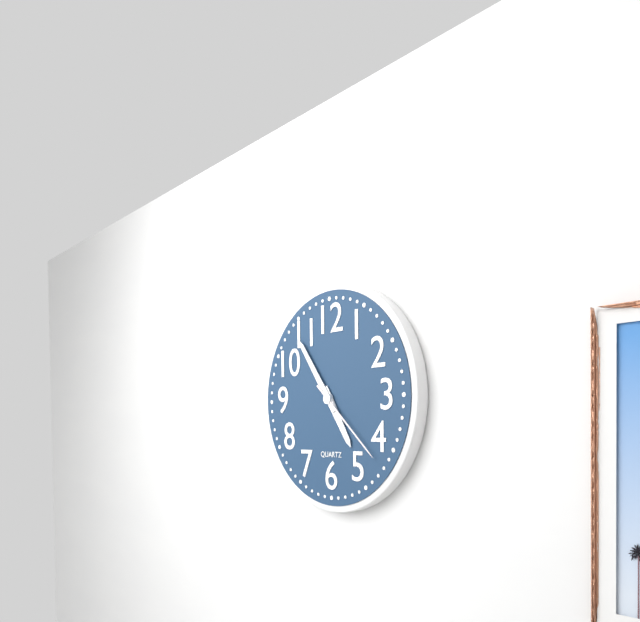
4:54:22
